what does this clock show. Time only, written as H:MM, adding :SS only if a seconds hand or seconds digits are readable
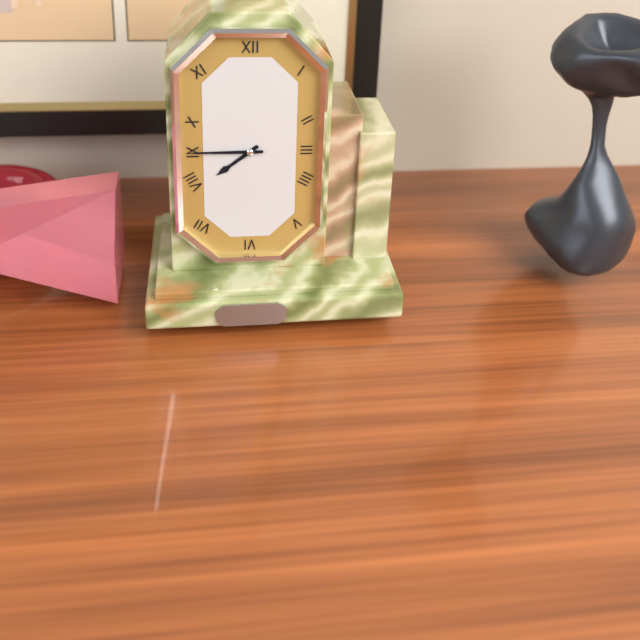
7:45
